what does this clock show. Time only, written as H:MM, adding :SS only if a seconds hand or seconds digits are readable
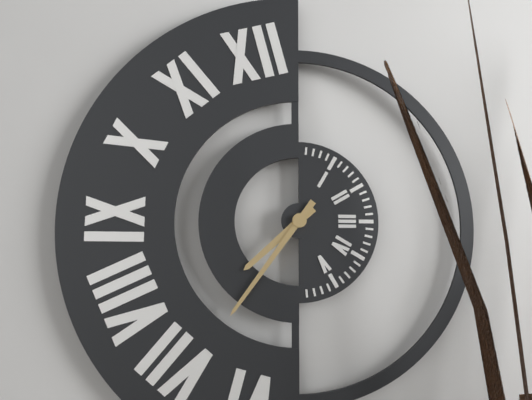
7:36
